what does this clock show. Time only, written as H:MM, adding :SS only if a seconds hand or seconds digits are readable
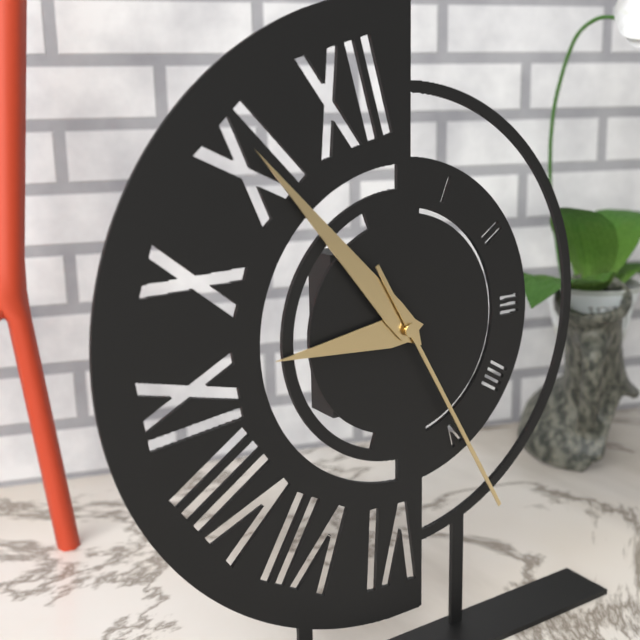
8:53:25
